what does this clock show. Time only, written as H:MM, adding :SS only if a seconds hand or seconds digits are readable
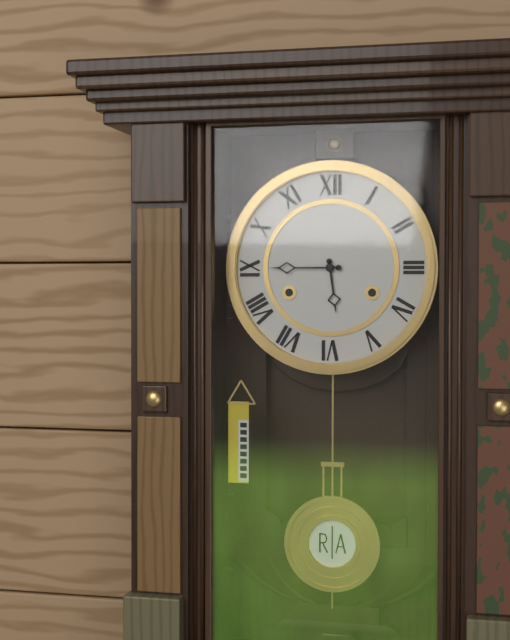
5:45
